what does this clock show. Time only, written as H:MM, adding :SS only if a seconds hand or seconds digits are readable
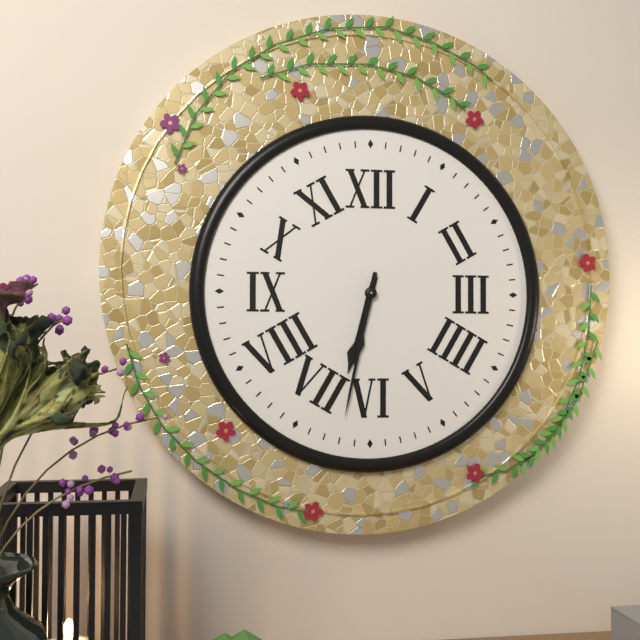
6:32
